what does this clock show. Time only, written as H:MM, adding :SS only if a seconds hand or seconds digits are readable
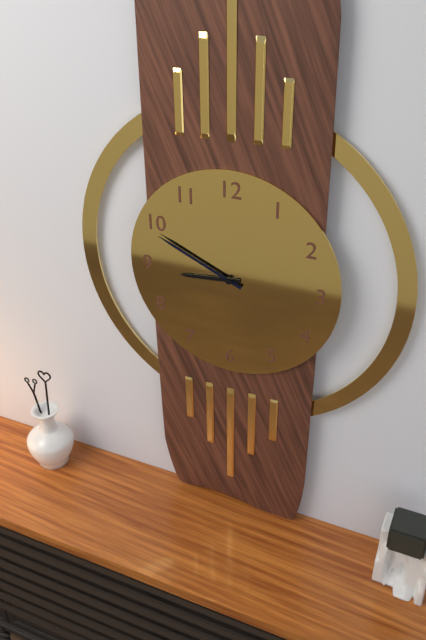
8:49
